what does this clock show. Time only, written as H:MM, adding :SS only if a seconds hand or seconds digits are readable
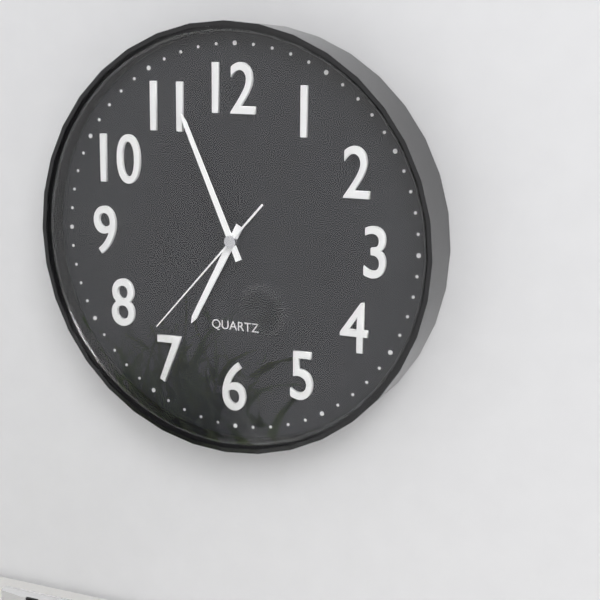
6:56:37
